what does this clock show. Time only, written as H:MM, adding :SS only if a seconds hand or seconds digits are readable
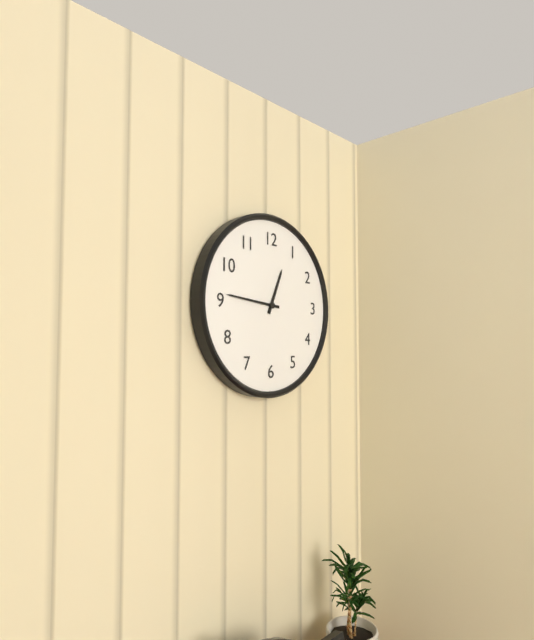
12:46
